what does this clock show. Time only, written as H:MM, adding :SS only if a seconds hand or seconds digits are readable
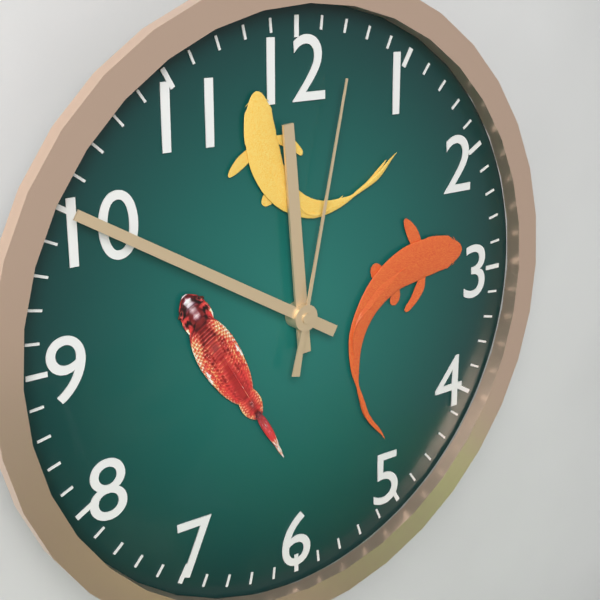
11:50:02
